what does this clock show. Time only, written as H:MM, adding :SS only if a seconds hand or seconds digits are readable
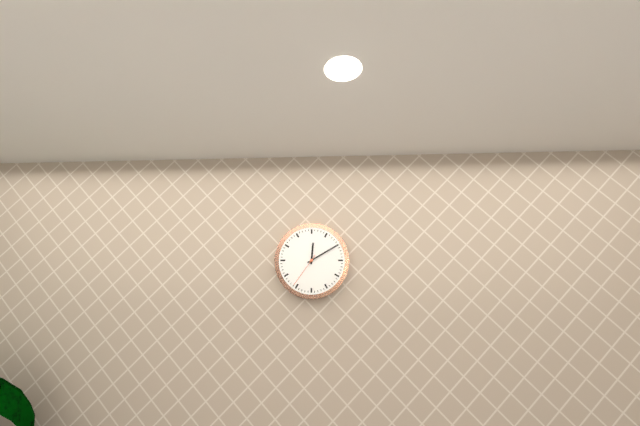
12:10
